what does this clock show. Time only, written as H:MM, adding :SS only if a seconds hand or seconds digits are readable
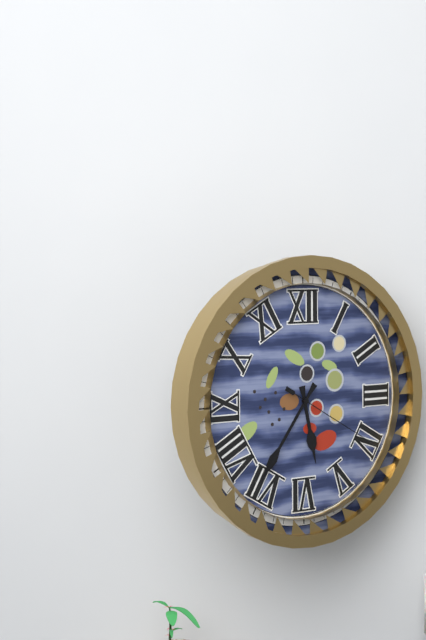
5:36:20
